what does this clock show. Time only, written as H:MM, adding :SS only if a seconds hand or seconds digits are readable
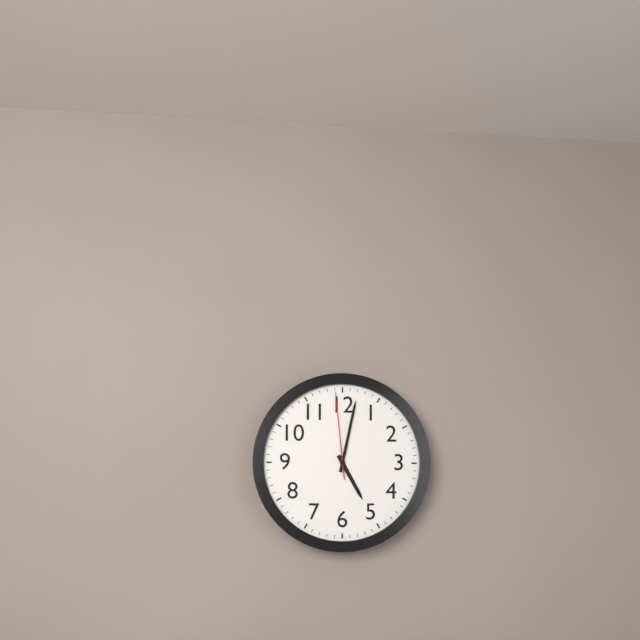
5:02:59
